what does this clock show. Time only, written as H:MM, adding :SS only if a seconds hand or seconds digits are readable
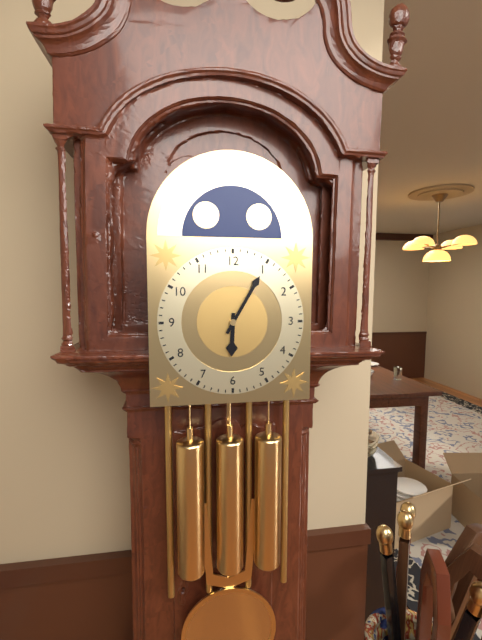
6:05
